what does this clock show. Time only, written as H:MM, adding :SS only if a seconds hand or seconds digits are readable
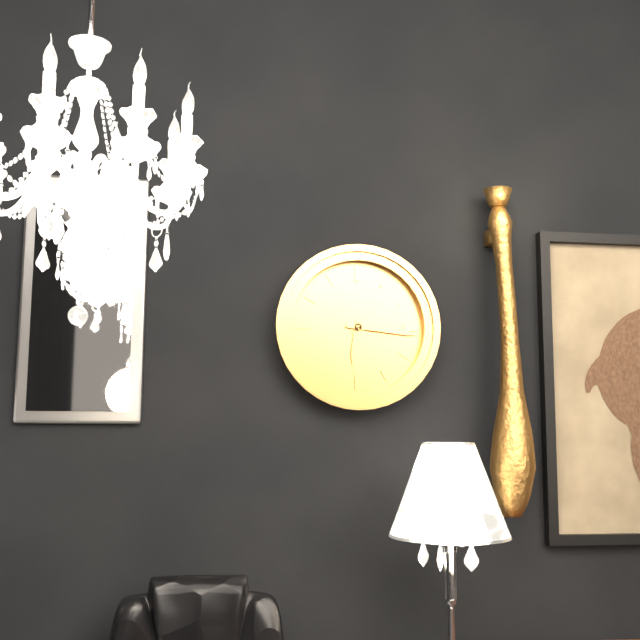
6:16
